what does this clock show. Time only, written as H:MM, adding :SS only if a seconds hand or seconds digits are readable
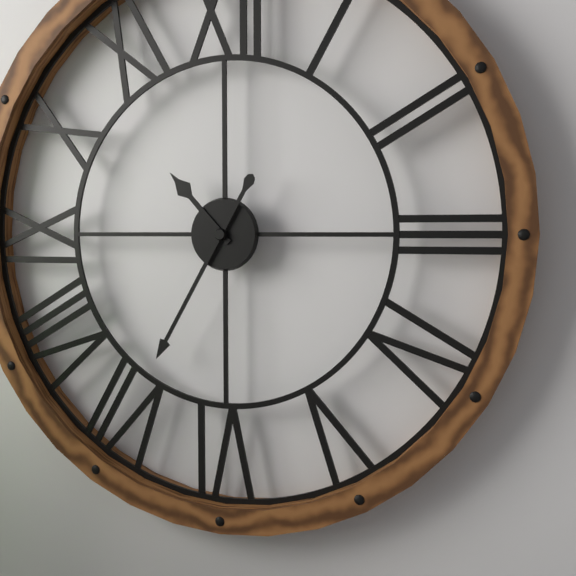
10:35
